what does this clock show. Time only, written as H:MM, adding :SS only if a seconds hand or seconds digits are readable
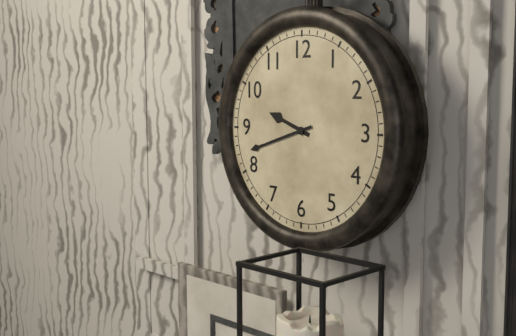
9:42
